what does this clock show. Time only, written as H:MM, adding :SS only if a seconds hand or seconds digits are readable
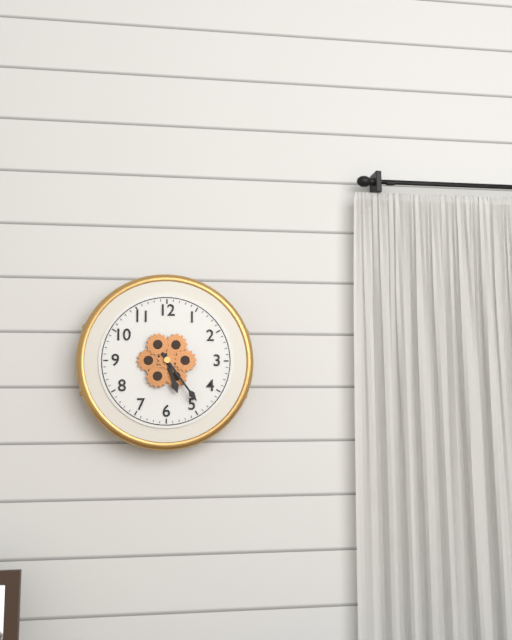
5:24
